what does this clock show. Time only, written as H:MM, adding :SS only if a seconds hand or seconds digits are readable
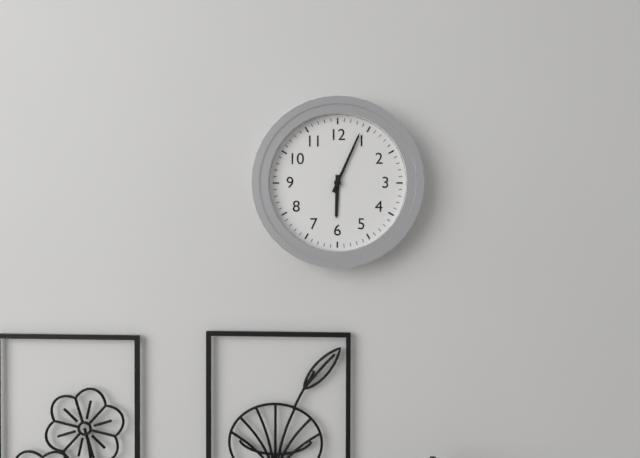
6:04
